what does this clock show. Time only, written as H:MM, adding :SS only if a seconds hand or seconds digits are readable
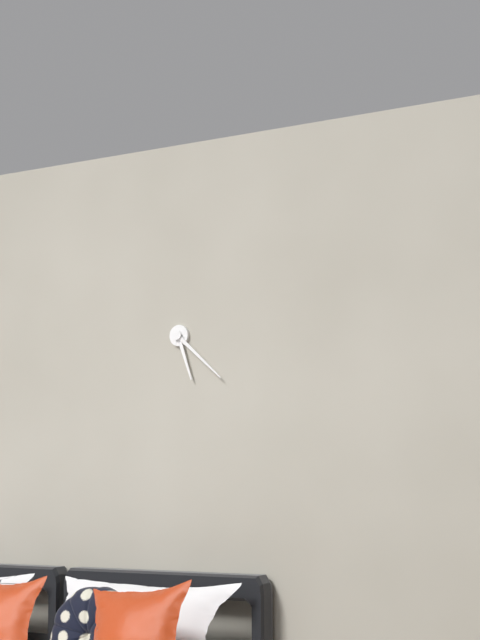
5:22
